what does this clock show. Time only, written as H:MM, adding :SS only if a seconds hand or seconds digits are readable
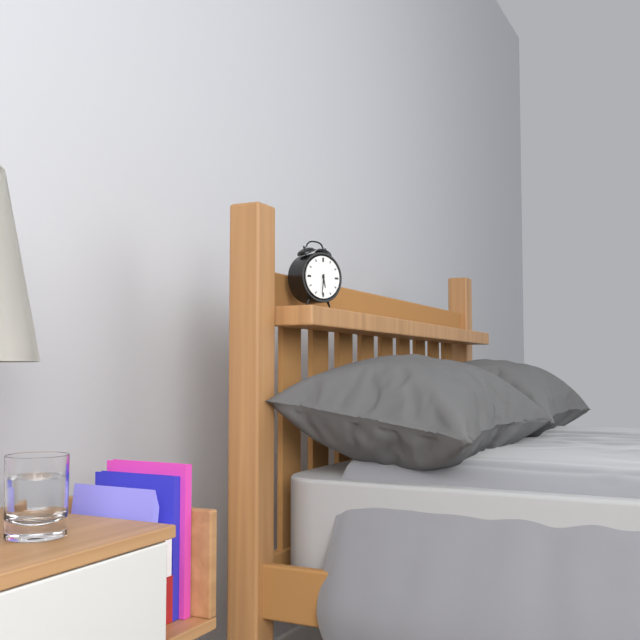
5:31
